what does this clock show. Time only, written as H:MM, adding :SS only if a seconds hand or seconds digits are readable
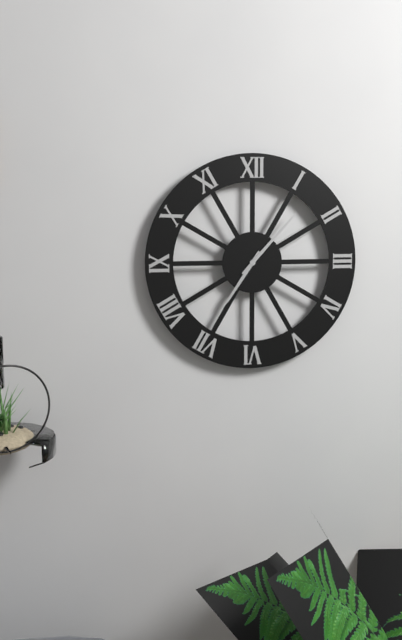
7:07
